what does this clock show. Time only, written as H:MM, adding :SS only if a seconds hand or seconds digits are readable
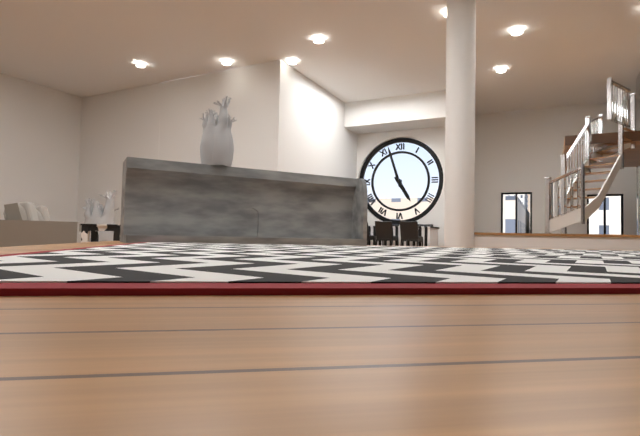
4:57
